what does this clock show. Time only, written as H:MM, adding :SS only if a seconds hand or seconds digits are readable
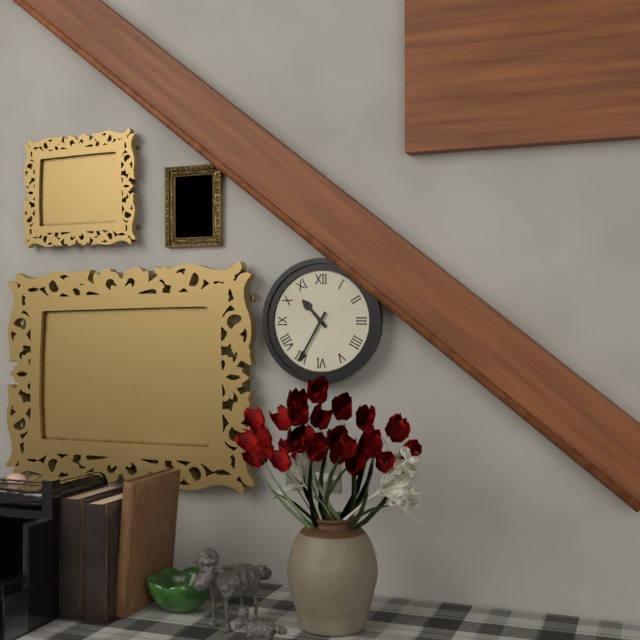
10:35
